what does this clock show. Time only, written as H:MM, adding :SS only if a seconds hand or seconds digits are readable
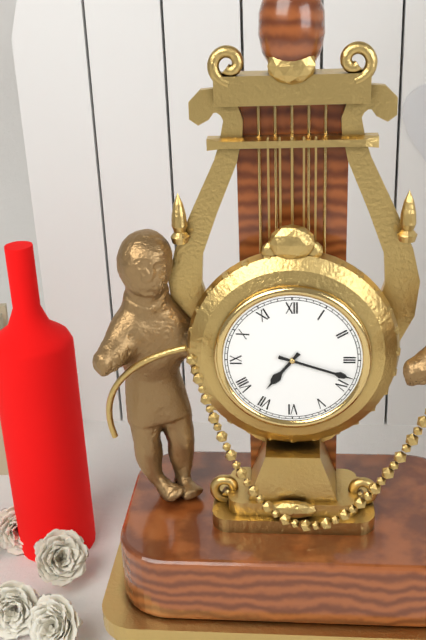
7:18
